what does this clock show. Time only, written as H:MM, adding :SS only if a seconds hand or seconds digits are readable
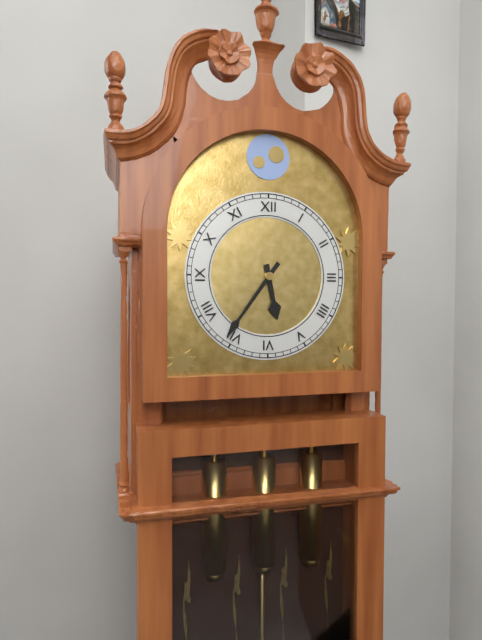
5:36
